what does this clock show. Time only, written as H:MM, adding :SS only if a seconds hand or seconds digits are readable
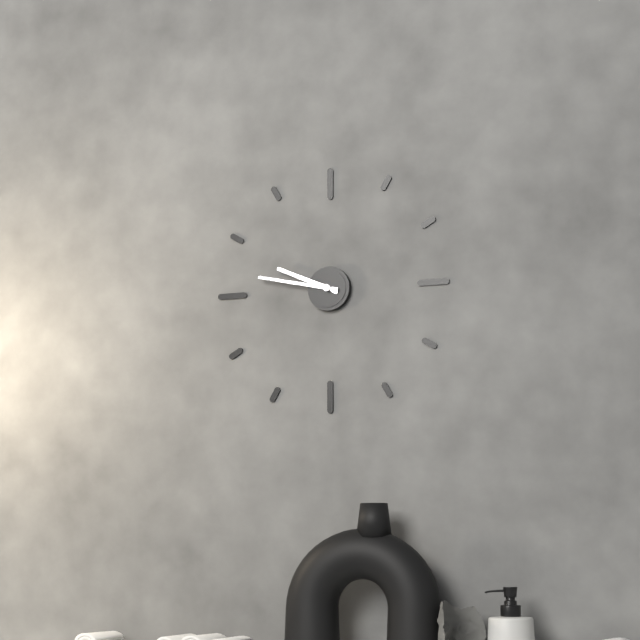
9:47
